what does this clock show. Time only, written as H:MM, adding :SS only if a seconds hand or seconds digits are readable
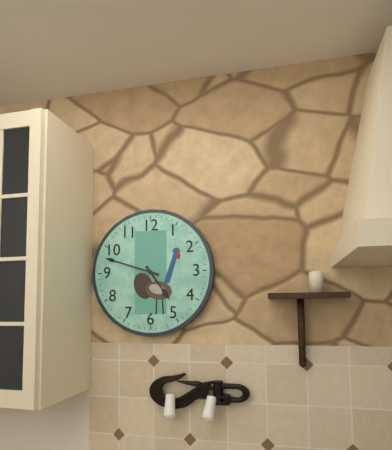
4:48
